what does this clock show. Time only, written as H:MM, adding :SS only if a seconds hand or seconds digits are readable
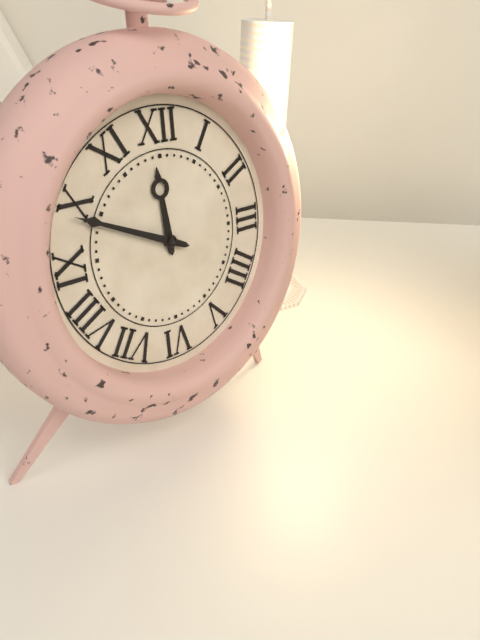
11:49
